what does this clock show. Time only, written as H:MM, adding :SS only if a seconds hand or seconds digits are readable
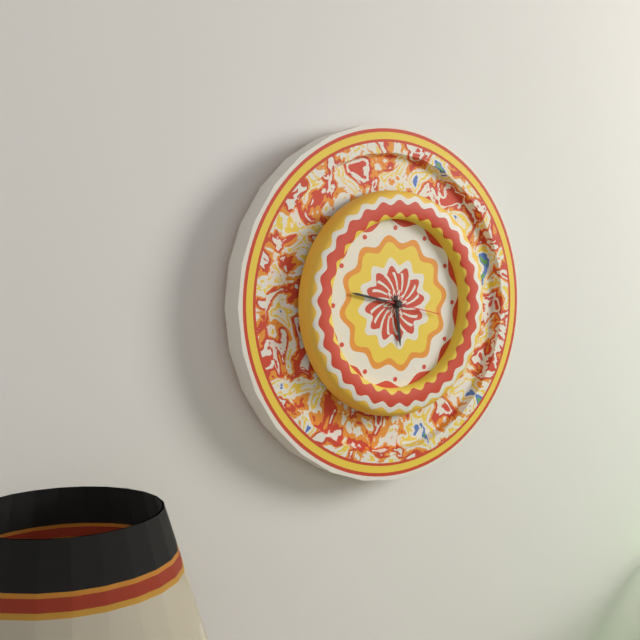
5:47:17
